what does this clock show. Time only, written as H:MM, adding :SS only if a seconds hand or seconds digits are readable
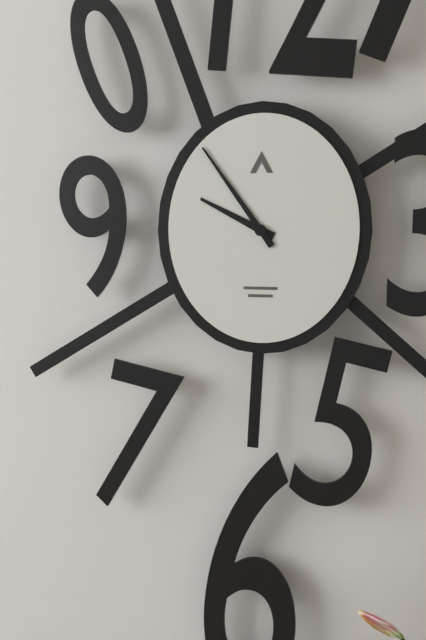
9:54
